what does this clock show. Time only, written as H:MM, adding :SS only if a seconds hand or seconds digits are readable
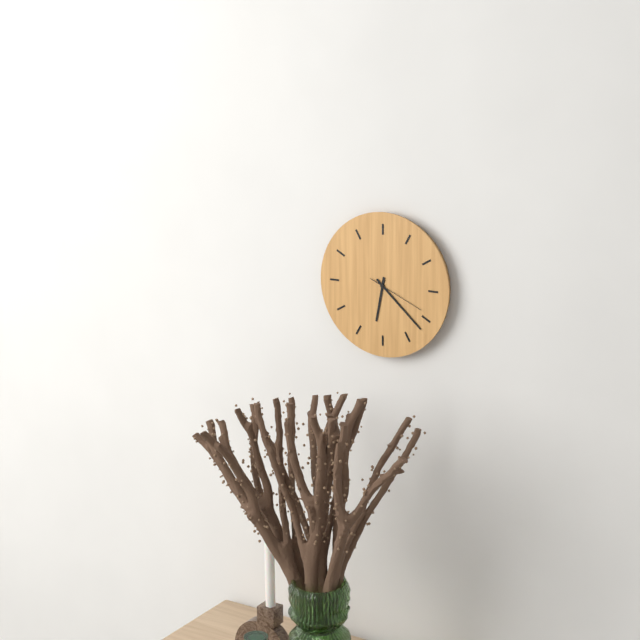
6:22:19
